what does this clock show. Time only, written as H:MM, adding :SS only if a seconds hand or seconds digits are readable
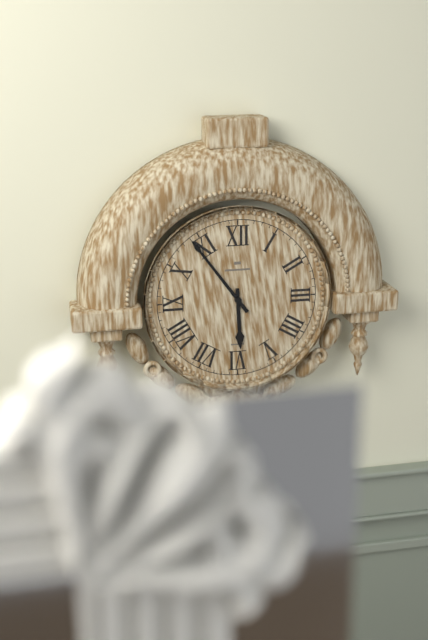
5:54
